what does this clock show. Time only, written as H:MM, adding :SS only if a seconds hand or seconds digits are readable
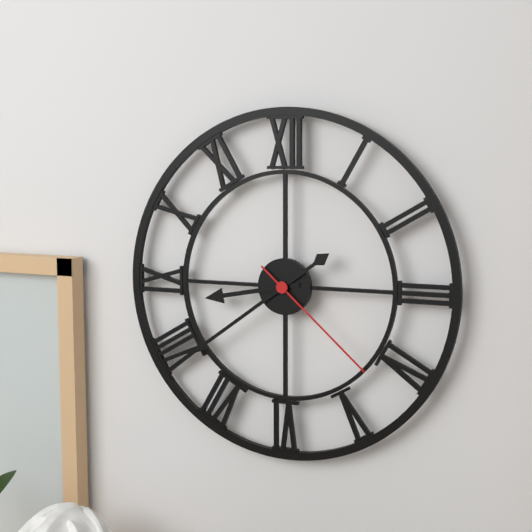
8:39:22
